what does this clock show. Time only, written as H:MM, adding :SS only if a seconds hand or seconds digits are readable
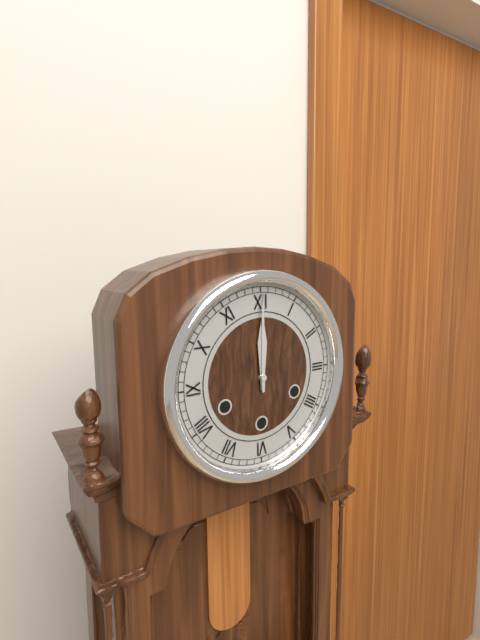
12:00
